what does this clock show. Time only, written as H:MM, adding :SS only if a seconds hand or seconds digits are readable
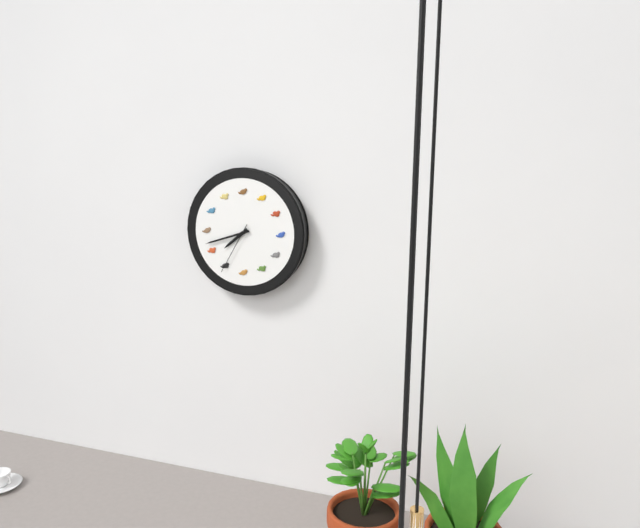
7:42:35
